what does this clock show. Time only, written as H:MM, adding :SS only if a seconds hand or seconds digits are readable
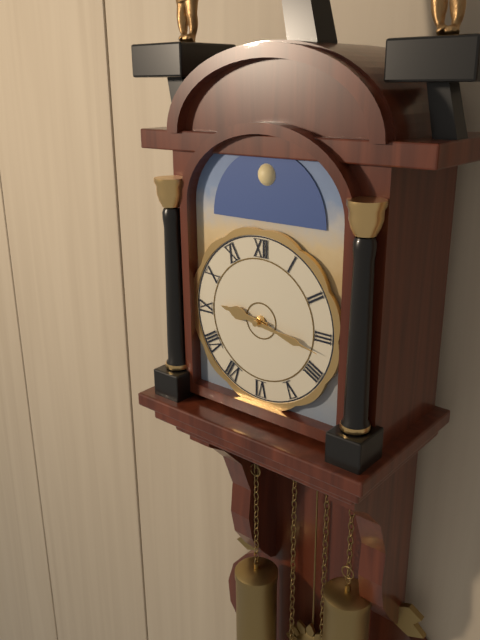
9:17
